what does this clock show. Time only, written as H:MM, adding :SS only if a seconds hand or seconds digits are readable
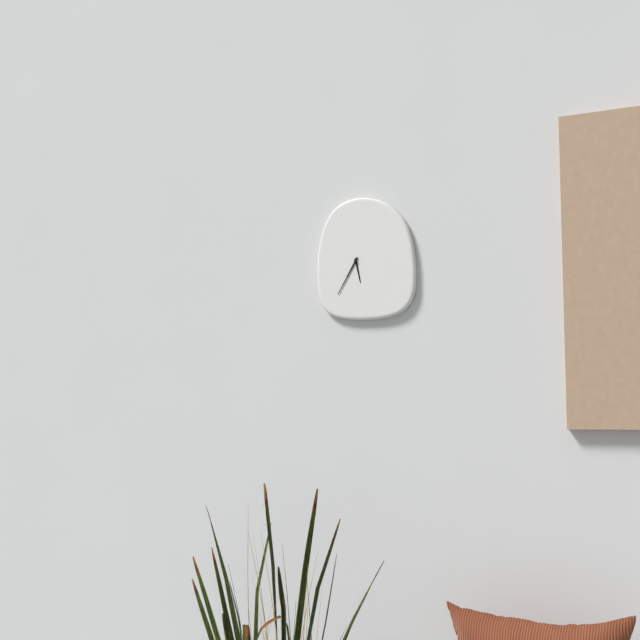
5:35
